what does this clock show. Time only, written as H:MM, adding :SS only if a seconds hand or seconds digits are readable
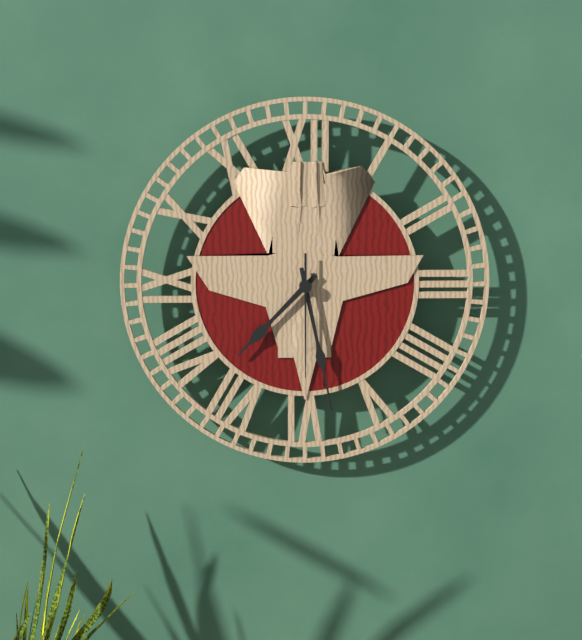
7:28:30
